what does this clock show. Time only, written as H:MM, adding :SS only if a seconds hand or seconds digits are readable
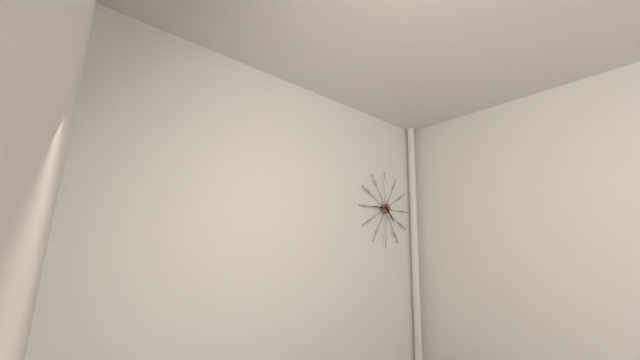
4:45
